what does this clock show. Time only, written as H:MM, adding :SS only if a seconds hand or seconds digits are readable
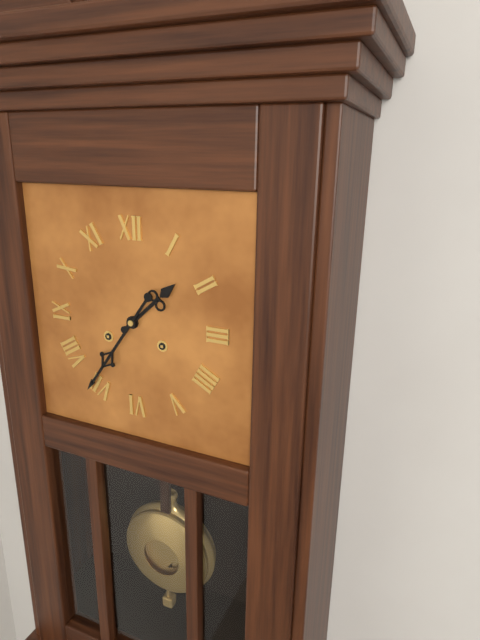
1:36
